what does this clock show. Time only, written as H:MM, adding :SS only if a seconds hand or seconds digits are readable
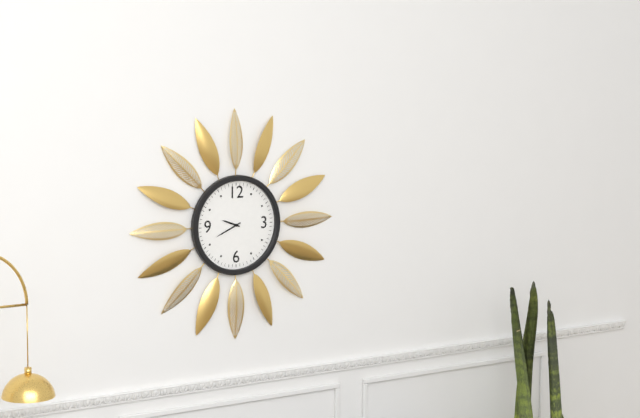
9:41
